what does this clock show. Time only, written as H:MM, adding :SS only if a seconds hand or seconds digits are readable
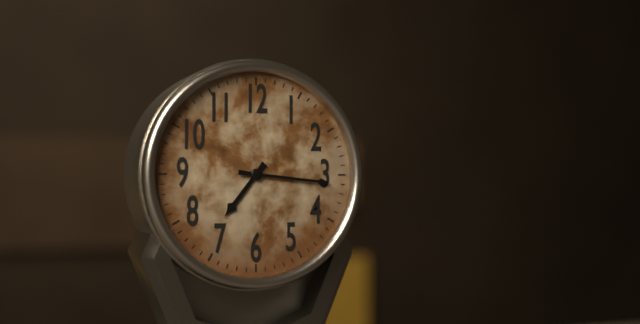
7:16
